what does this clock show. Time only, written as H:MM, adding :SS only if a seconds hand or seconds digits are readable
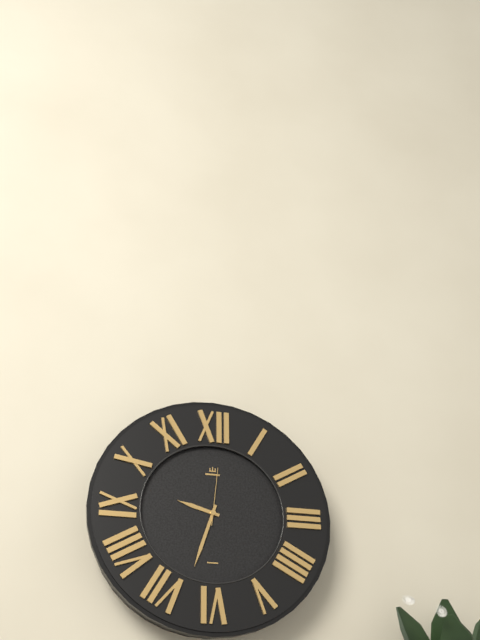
9:33:01
